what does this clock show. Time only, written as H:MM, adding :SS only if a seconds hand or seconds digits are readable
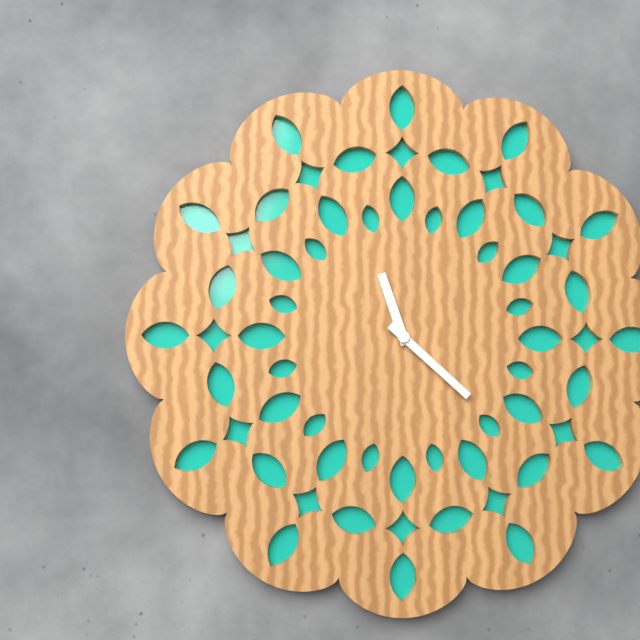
11:22
